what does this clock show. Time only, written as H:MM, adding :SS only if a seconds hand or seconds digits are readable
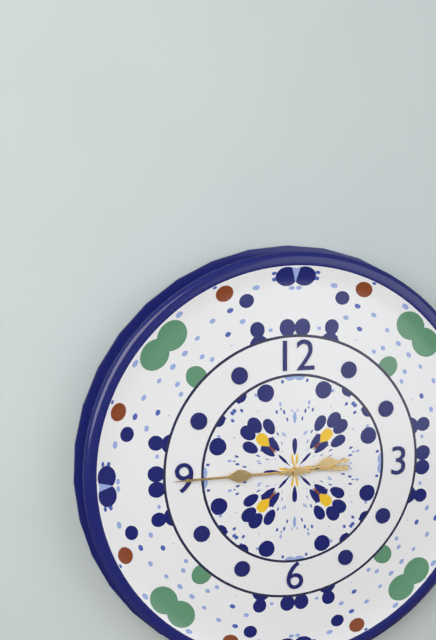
2:45:45
